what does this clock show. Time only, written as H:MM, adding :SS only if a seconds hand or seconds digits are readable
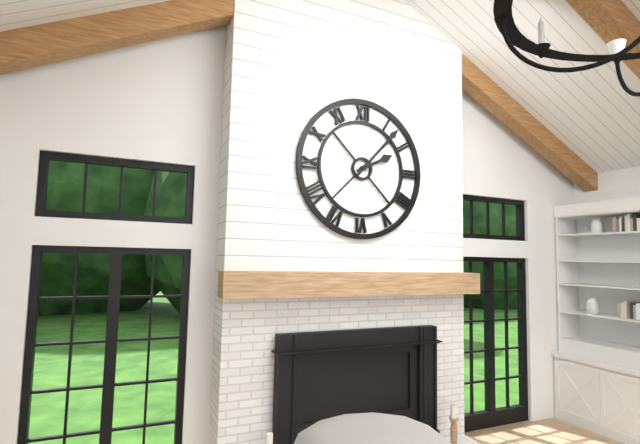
2:07
